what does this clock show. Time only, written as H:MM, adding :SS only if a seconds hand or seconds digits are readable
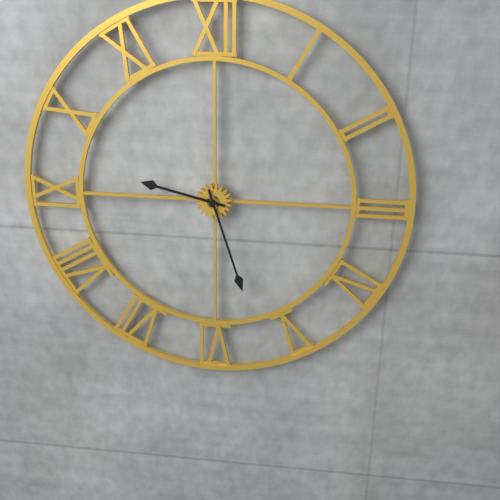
9:27
